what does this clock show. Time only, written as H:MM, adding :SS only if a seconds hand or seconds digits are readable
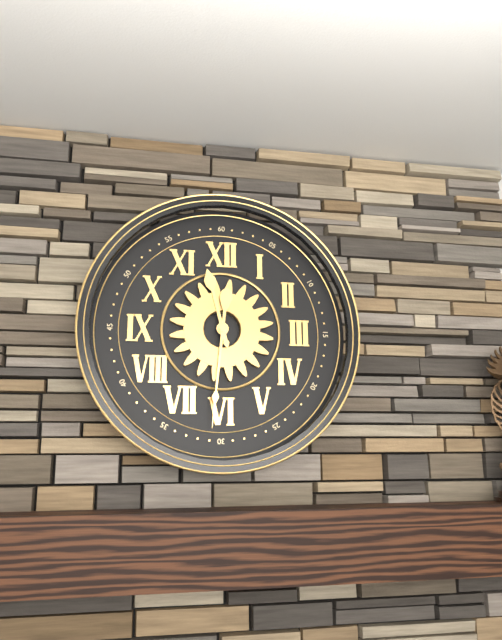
11:31
